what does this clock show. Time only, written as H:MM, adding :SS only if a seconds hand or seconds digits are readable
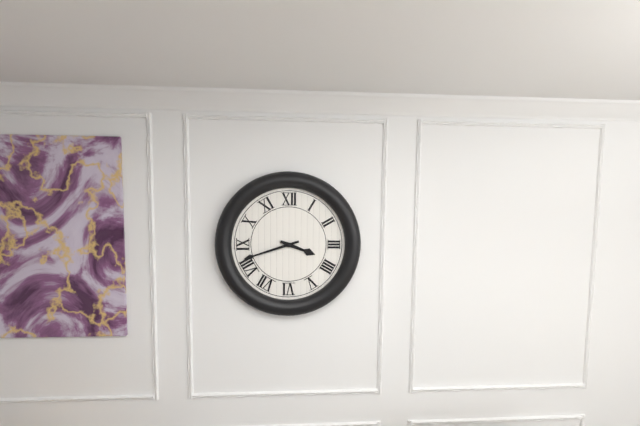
3:42
